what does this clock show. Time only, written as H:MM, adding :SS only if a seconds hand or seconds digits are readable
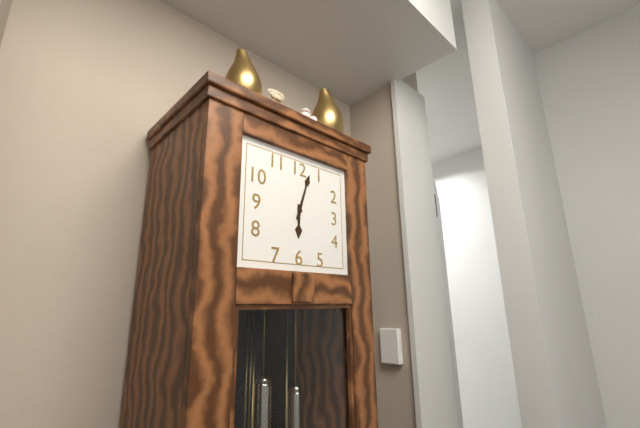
6:03
